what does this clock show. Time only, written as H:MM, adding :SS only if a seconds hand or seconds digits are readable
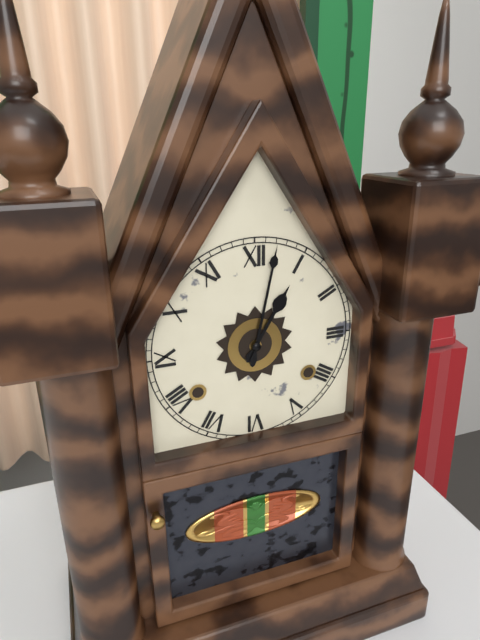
1:02
